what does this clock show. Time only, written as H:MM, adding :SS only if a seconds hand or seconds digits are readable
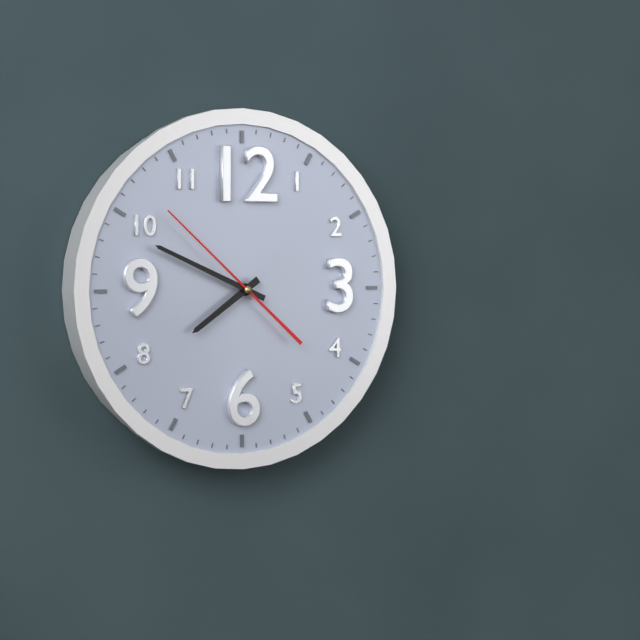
7:49:52
